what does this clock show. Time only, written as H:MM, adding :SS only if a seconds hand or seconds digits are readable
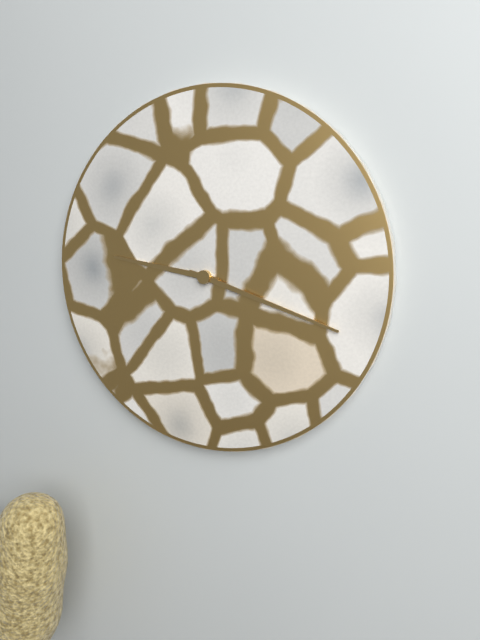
9:18
